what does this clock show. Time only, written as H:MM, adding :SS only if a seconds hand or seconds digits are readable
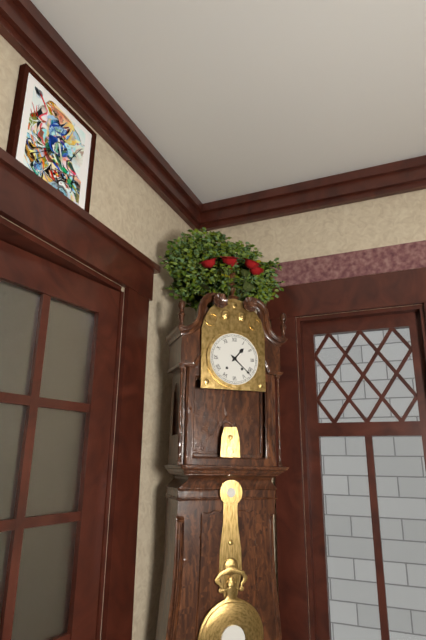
1:22
